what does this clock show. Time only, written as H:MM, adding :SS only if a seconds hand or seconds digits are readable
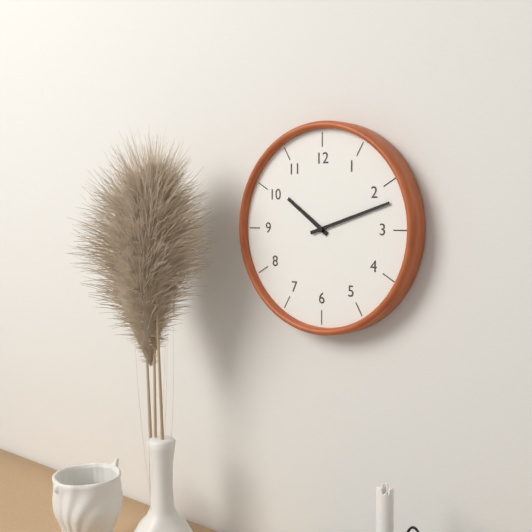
10:12
